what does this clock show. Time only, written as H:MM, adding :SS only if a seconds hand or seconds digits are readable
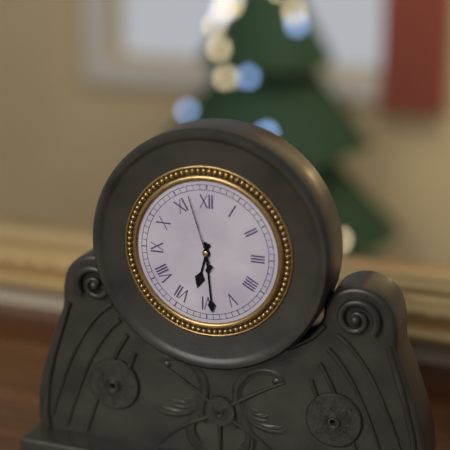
6:29:57
